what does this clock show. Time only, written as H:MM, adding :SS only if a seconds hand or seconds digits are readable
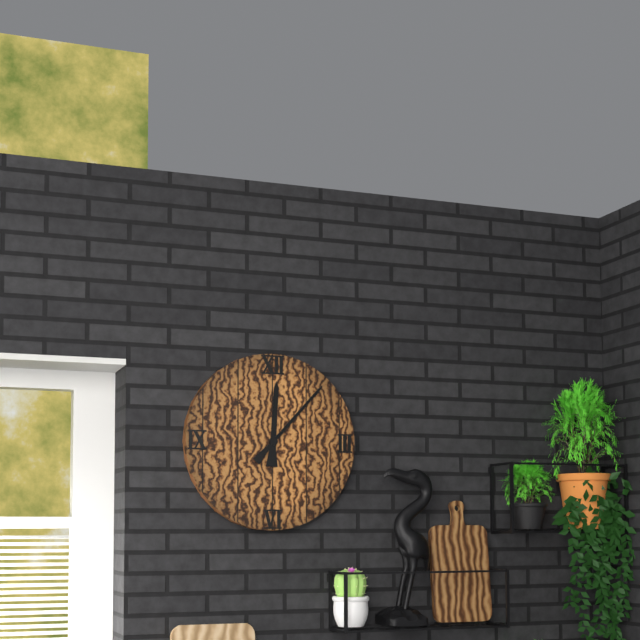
12:07
